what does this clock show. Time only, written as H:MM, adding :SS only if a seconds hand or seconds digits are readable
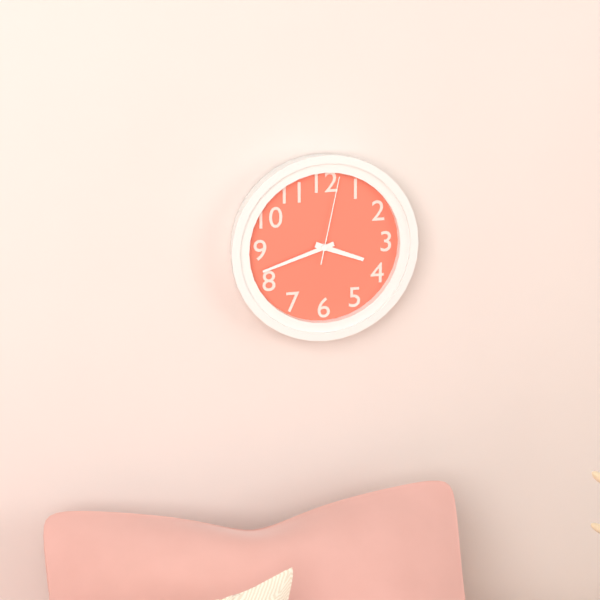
3:42:02
